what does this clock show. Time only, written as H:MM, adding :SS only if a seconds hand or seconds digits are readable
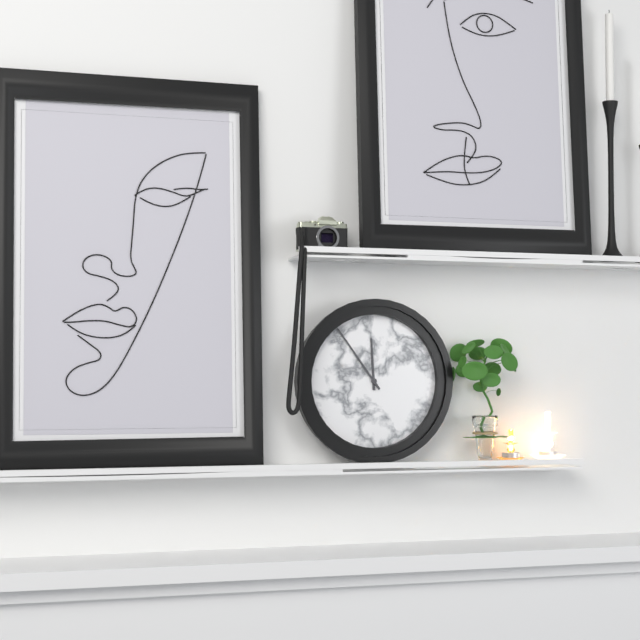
11:54
